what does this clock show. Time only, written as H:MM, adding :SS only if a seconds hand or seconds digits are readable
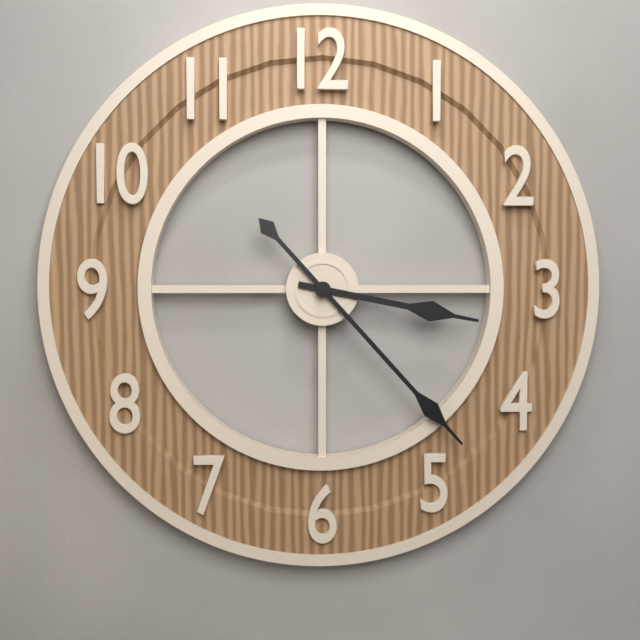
3:23
